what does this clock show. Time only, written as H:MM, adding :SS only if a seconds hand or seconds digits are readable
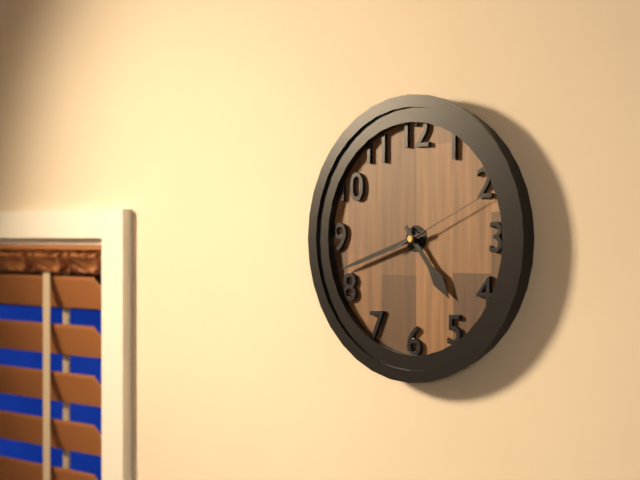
4:42:11
